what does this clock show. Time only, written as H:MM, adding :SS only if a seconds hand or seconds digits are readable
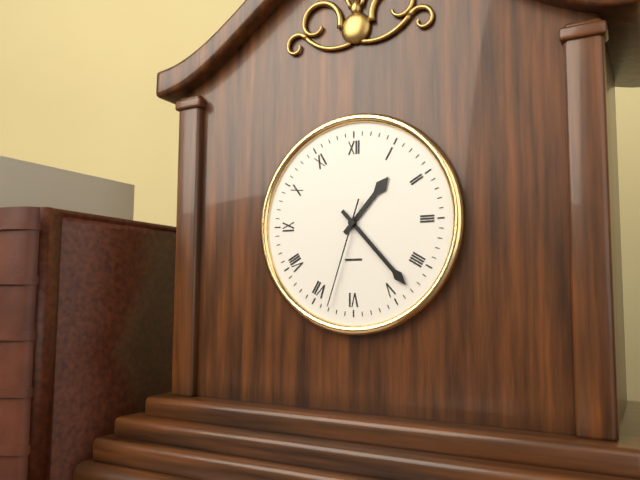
1:23:33
